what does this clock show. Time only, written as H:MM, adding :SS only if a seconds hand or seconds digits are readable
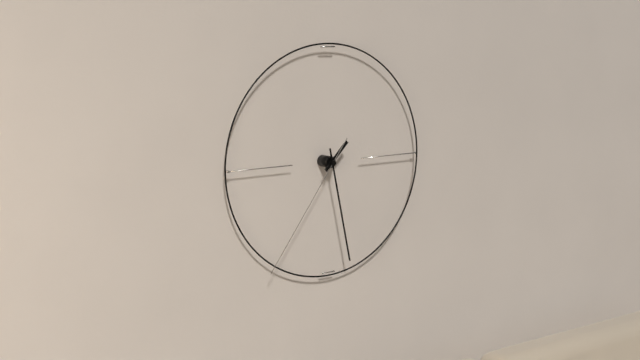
1:28:36
